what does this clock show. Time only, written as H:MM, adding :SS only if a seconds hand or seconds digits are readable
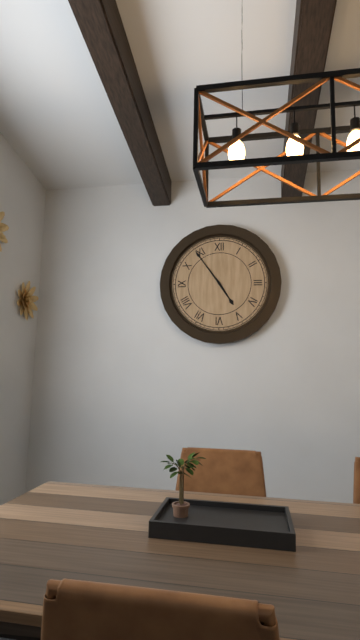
4:54
